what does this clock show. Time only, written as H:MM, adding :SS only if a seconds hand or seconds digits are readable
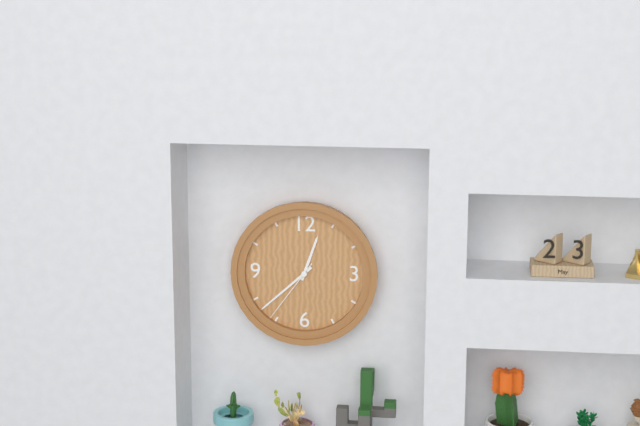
12:38:36
